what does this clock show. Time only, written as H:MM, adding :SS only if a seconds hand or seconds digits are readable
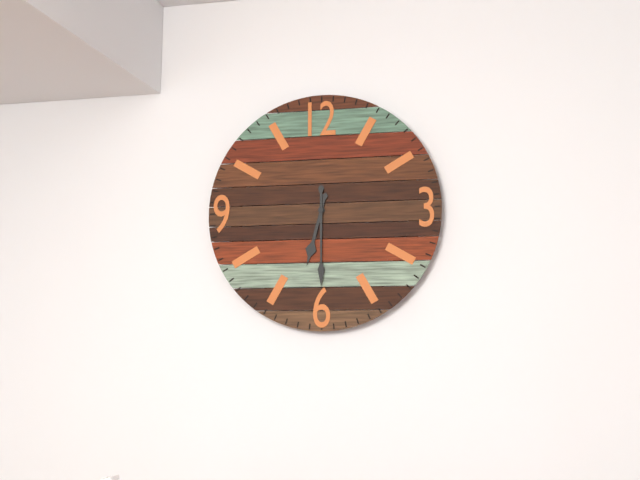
6:30
